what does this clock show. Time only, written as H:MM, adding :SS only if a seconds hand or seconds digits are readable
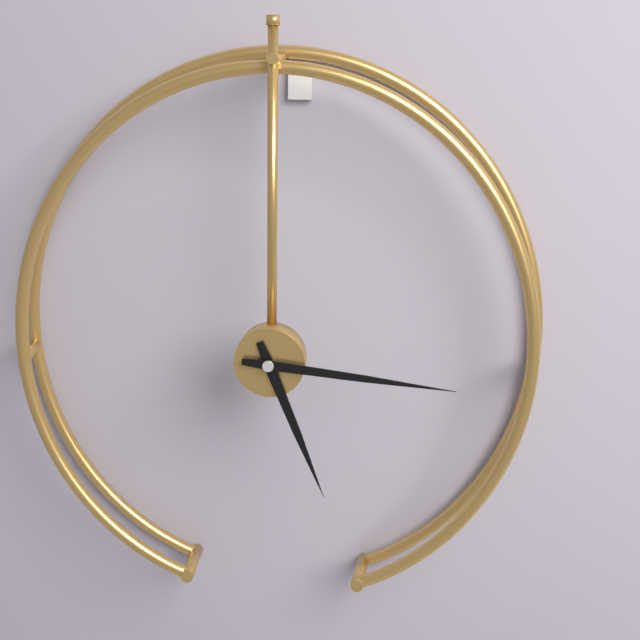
5:16
